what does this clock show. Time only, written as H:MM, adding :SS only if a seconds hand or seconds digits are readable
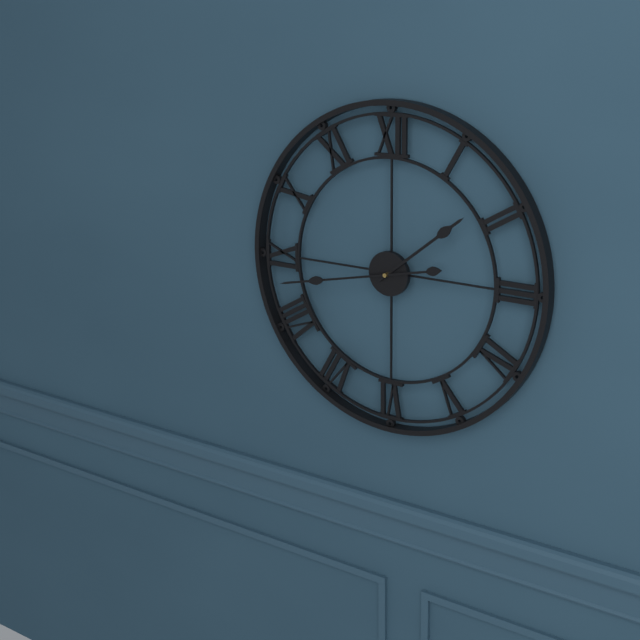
1:43
